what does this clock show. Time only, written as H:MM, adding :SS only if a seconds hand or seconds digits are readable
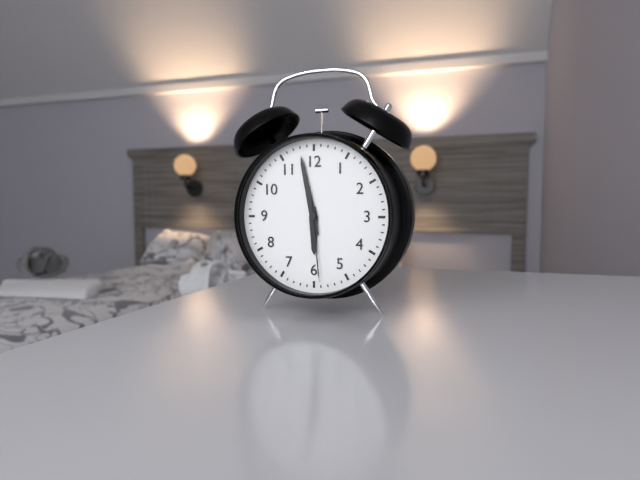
5:58:29
